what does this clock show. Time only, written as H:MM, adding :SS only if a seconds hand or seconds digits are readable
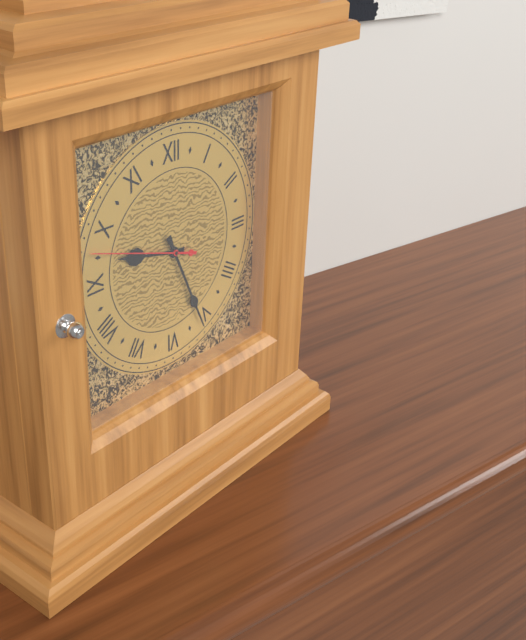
9:26:48
